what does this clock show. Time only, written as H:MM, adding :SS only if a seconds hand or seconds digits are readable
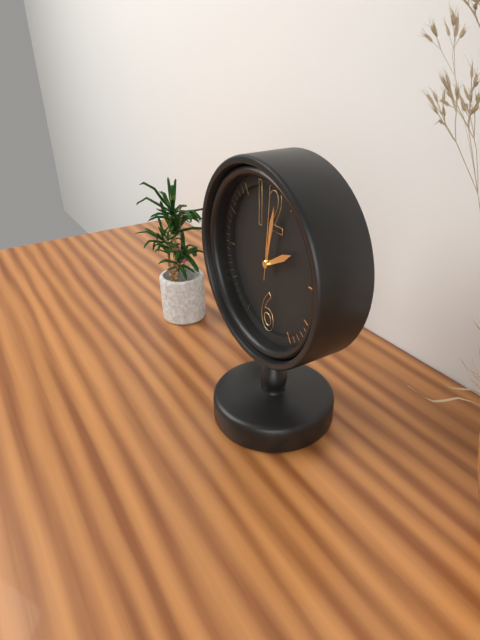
2:02:01
